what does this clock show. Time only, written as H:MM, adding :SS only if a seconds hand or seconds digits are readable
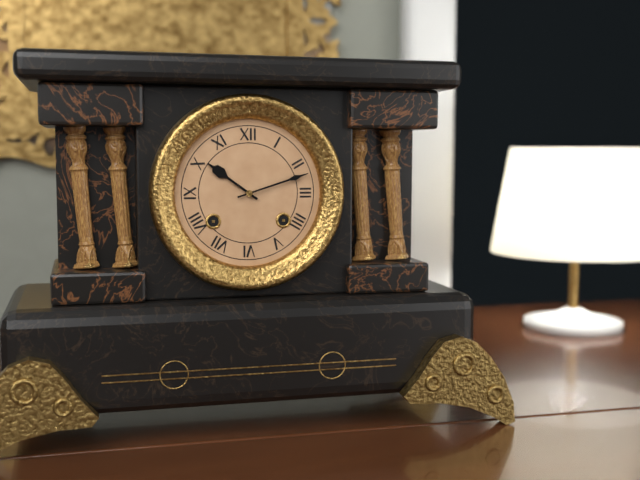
10:12
